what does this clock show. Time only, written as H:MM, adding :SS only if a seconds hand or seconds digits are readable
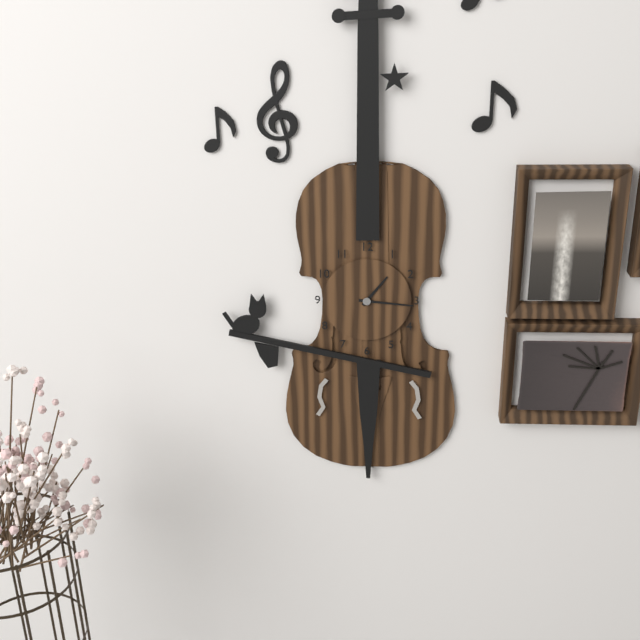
1:16
